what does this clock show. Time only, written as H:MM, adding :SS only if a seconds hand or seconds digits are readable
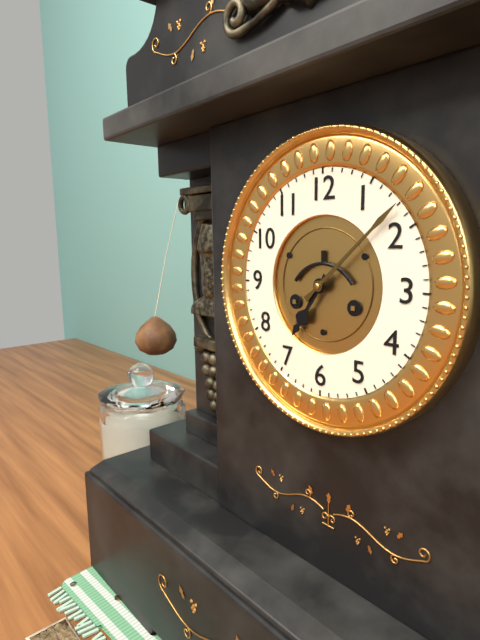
7:08
